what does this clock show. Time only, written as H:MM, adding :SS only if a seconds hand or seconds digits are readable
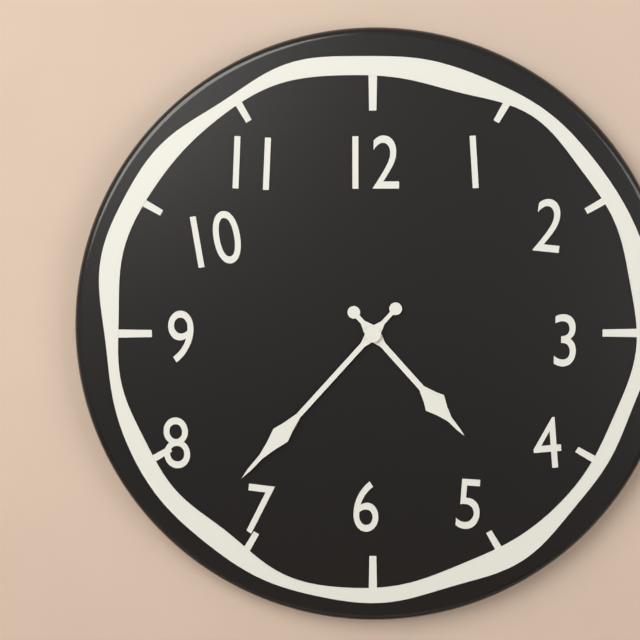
4:37
